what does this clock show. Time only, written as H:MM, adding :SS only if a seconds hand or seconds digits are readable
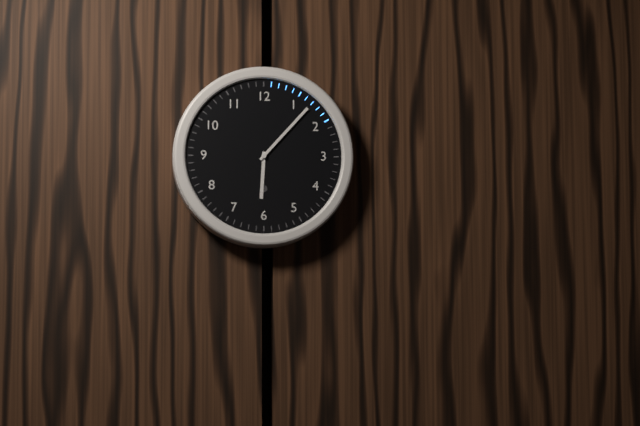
6:07
